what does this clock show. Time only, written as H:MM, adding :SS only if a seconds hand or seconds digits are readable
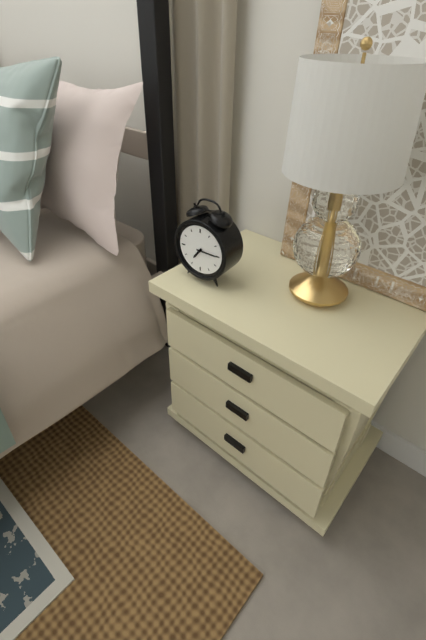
7:15
